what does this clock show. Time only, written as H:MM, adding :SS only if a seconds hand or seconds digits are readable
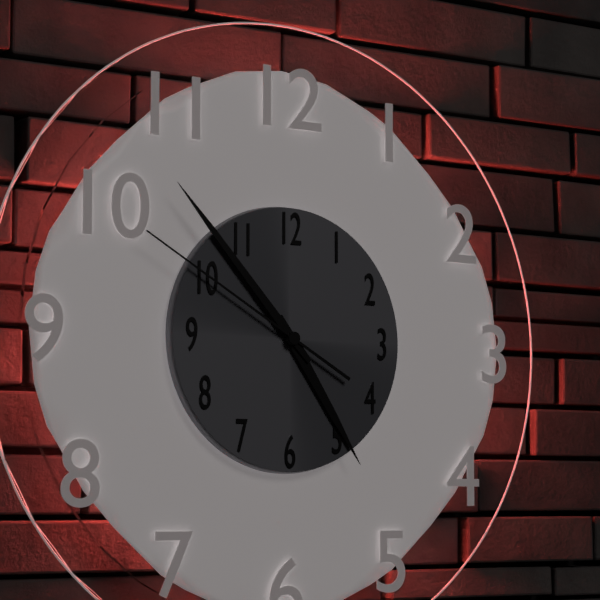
4:53:50
